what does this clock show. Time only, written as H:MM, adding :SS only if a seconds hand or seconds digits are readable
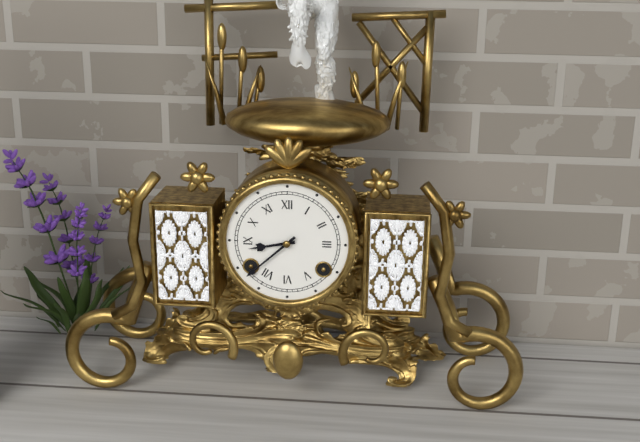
8:38
